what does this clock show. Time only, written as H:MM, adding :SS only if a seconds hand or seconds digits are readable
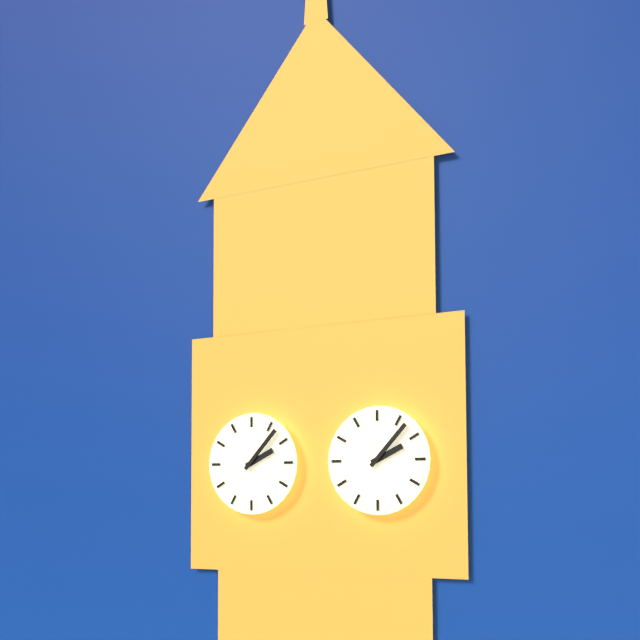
2:07
